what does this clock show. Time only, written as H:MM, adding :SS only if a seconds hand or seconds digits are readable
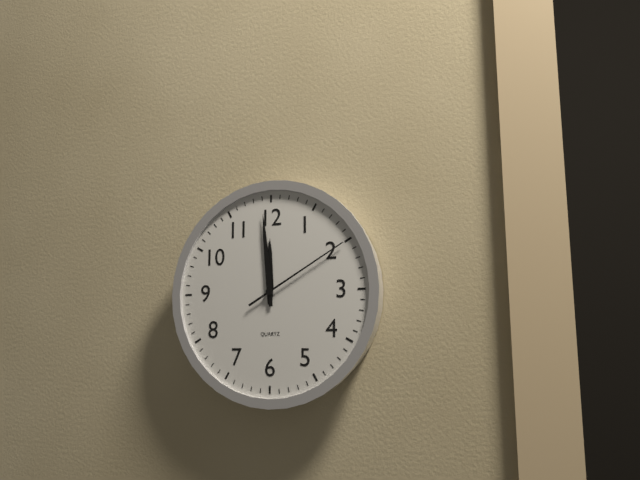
11:59:10
